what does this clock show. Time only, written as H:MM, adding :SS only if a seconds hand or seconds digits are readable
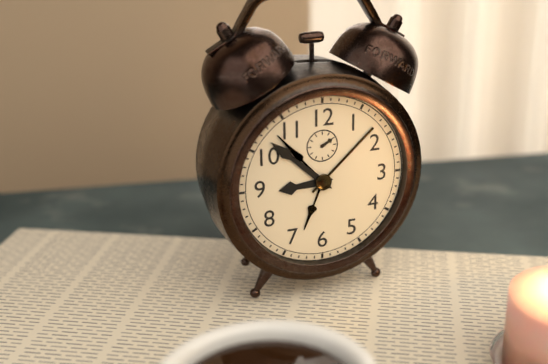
8:52
